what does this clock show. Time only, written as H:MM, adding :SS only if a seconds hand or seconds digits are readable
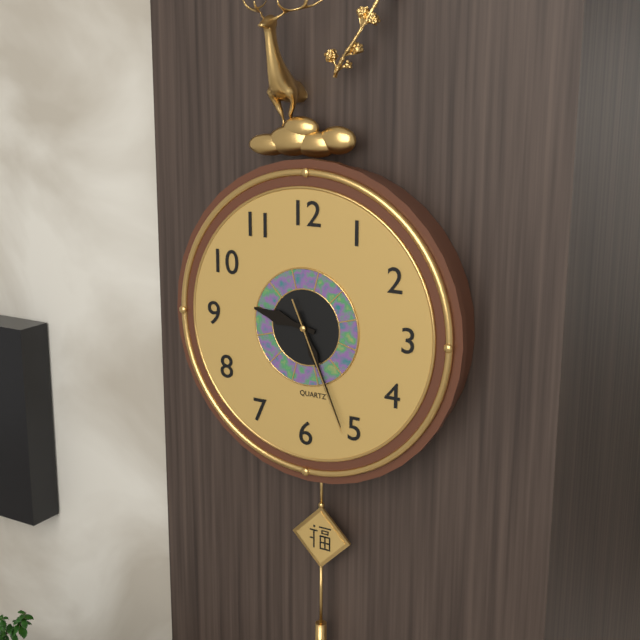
9:26:26
